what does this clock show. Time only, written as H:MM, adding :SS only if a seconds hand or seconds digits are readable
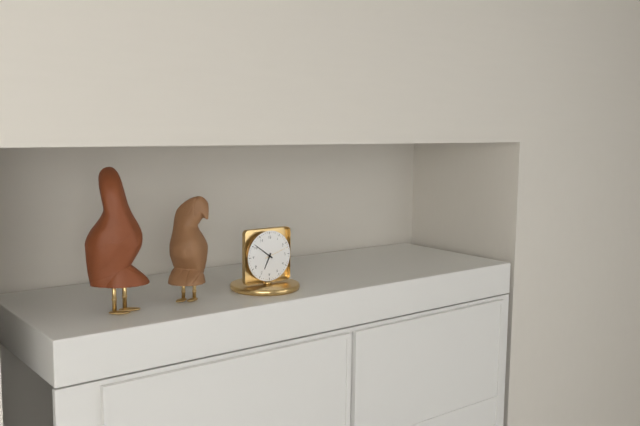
6:51
